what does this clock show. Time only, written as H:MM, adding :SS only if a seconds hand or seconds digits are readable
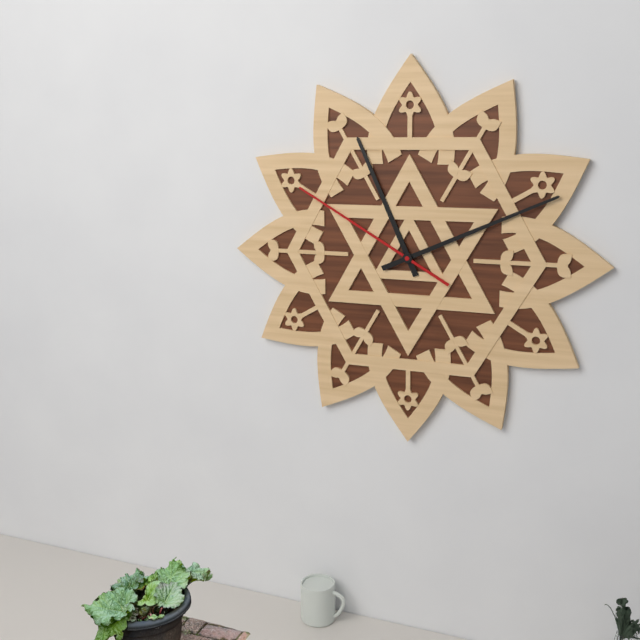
11:11:50
